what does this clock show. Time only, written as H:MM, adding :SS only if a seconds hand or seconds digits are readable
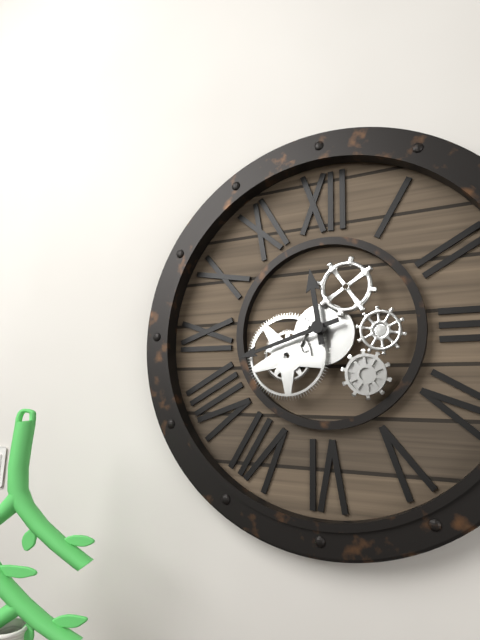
11:42
